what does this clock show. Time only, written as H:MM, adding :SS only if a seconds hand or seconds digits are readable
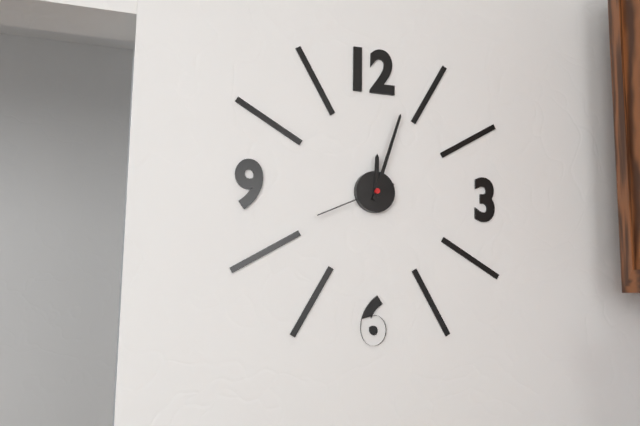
12:03:41
